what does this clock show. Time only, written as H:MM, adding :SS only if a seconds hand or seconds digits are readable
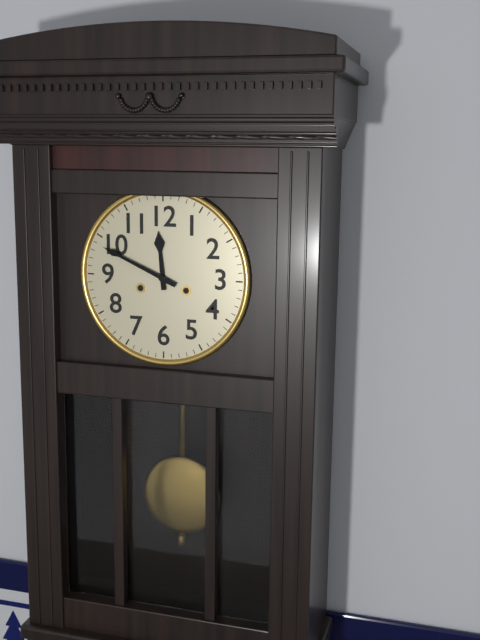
11:49
